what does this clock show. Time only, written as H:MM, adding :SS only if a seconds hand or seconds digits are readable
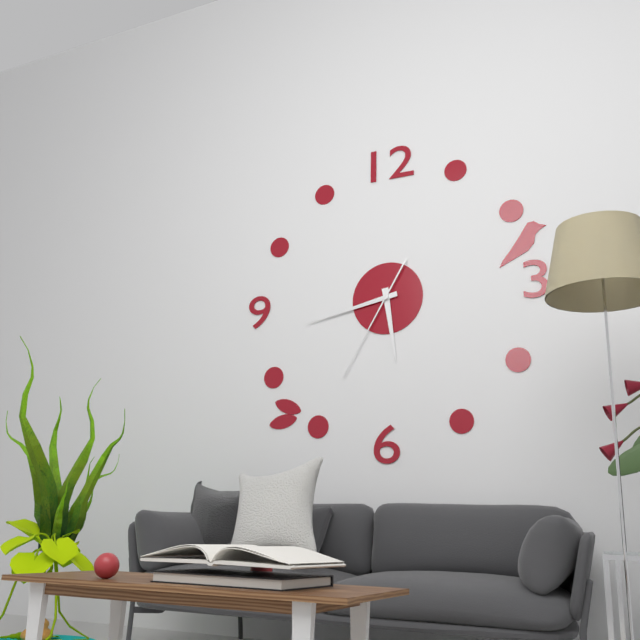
5:43:35
